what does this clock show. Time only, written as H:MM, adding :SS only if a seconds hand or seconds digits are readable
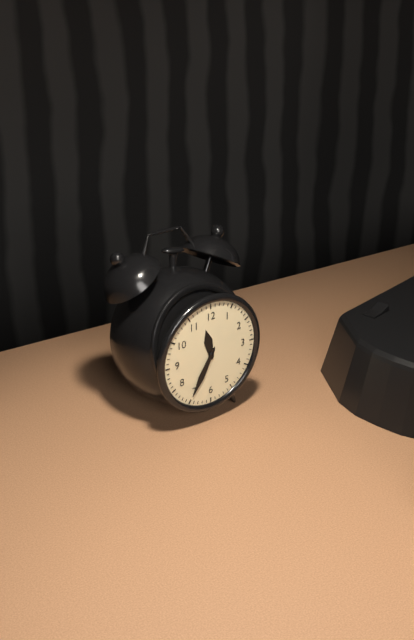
11:35
